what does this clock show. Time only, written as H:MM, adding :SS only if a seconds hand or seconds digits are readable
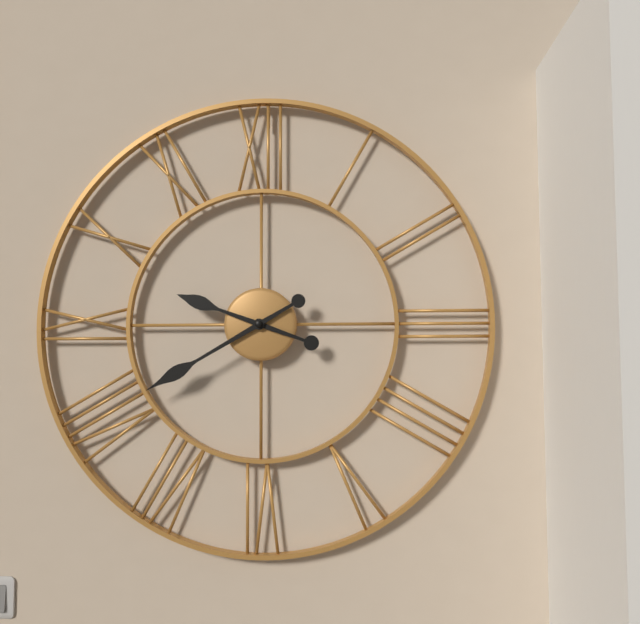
9:40
